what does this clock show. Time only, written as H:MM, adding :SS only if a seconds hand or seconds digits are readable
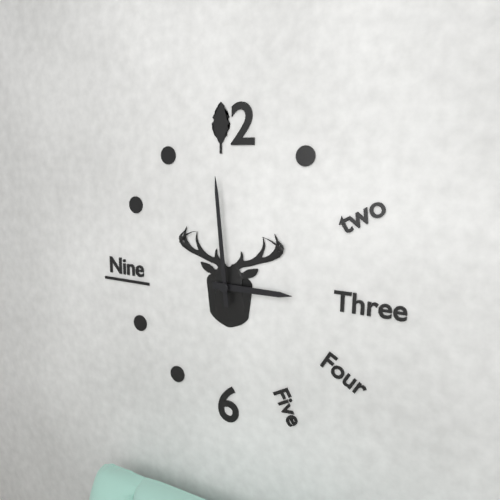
2:59
